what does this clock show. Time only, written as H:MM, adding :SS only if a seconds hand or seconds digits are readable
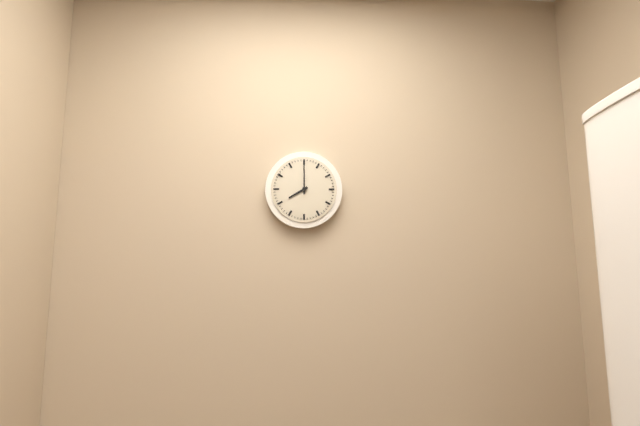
8:00
